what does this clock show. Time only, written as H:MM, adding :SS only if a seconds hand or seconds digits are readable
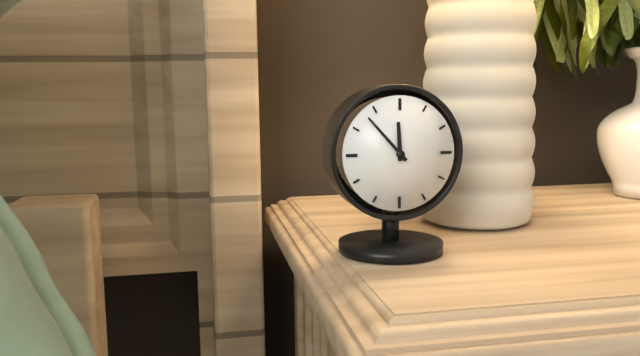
11:53
